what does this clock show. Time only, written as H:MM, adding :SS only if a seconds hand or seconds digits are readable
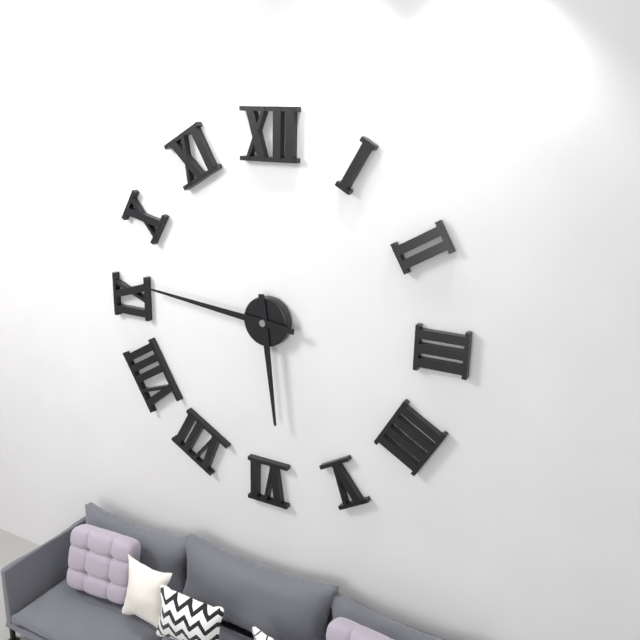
5:46
